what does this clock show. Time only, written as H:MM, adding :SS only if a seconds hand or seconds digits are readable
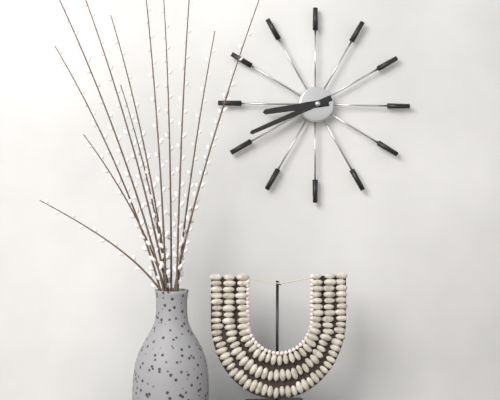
8:41
